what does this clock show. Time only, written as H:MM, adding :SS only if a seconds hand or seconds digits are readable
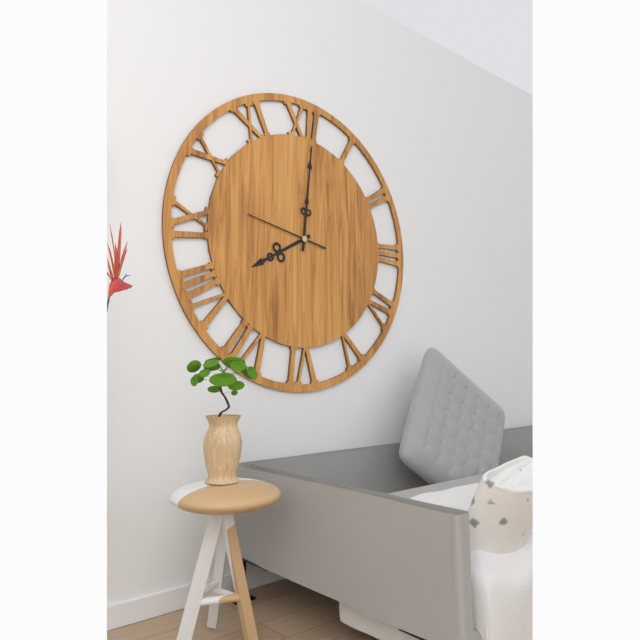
8:01:47
